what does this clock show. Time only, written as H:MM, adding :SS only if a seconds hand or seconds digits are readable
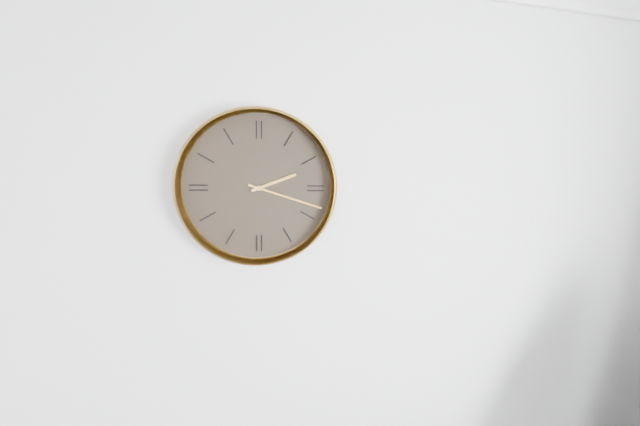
2:18
